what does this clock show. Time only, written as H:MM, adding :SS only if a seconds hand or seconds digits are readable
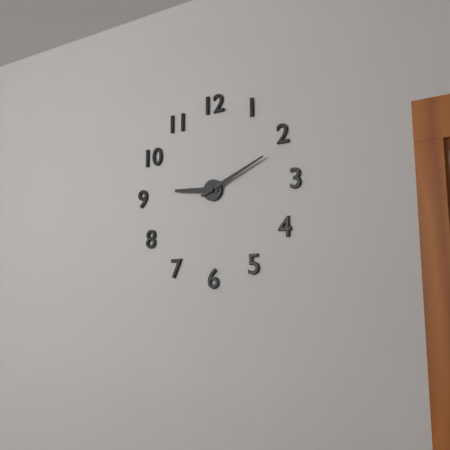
9:11
